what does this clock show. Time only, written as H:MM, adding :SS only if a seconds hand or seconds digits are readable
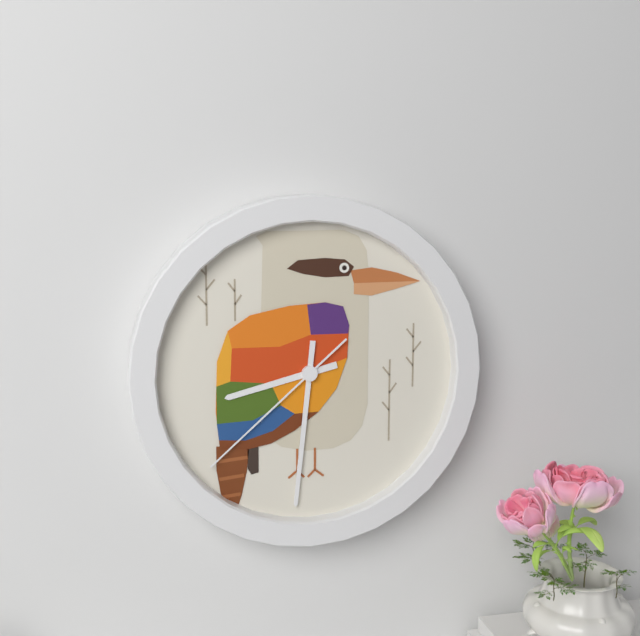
8:31:38
